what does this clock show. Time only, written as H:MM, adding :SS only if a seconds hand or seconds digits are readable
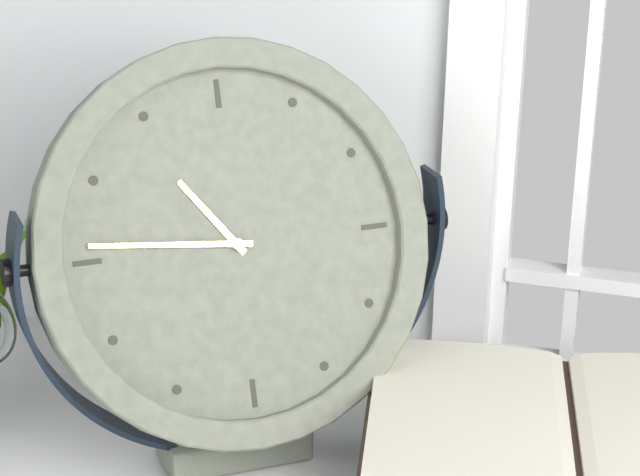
10:46
